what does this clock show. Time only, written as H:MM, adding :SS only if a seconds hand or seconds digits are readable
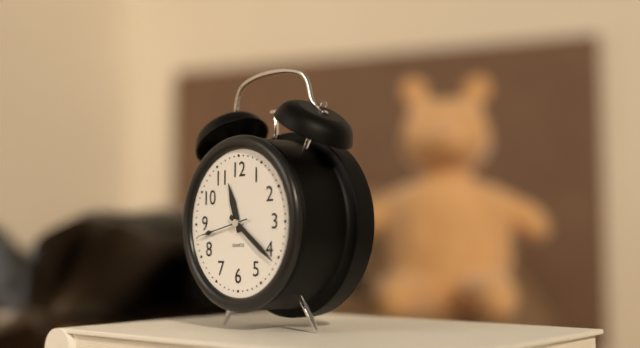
11:21:43
